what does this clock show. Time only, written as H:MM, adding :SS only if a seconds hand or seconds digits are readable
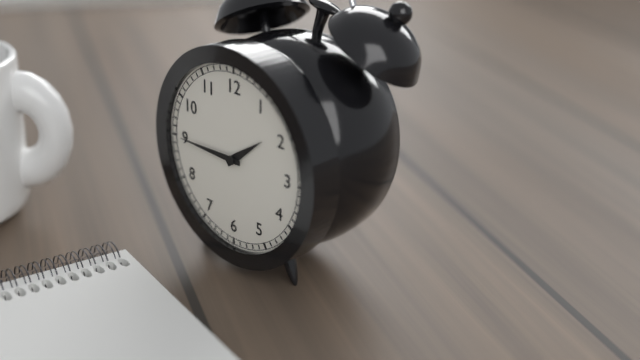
1:45
